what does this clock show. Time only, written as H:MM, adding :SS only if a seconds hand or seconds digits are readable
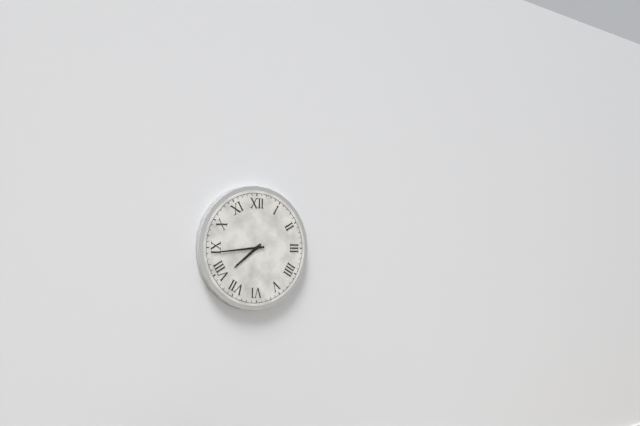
7:44
